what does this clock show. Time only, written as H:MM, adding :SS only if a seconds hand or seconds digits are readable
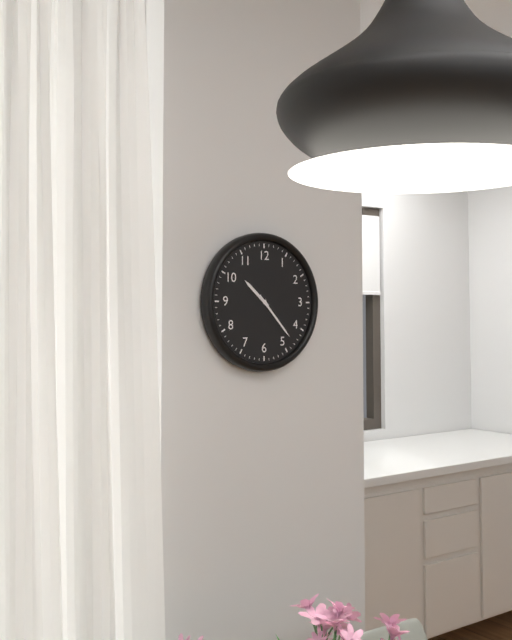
10:23
